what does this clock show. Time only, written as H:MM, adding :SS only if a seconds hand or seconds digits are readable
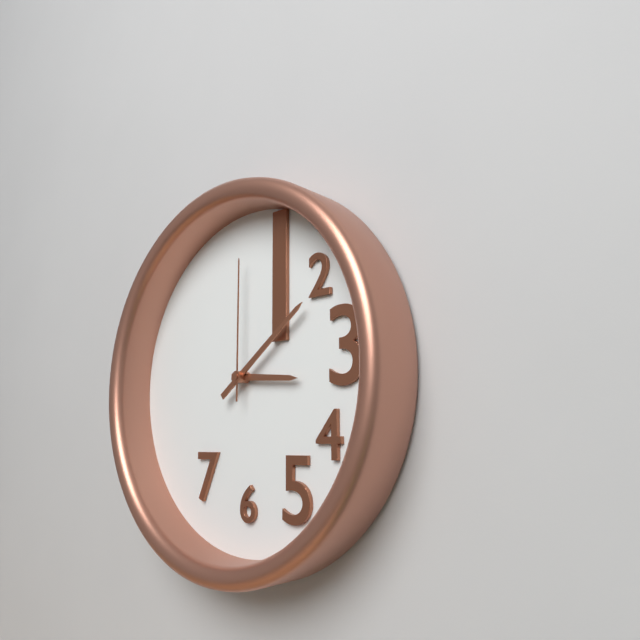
3:09:00
